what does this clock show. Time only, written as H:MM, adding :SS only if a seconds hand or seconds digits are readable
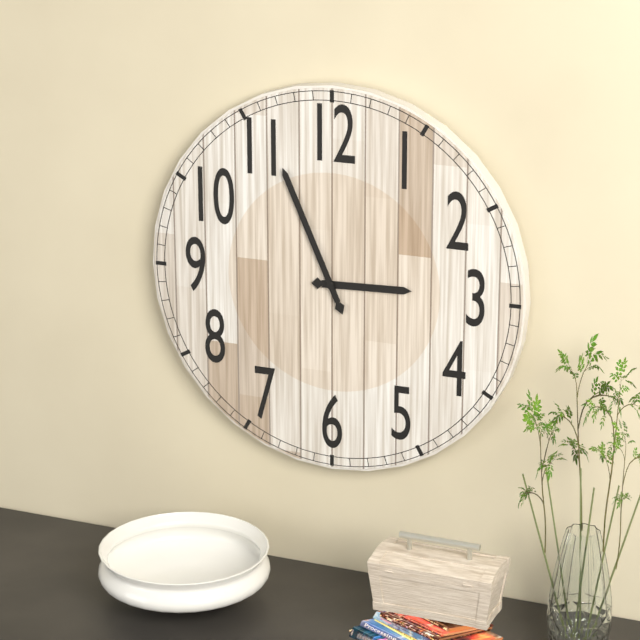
2:56
